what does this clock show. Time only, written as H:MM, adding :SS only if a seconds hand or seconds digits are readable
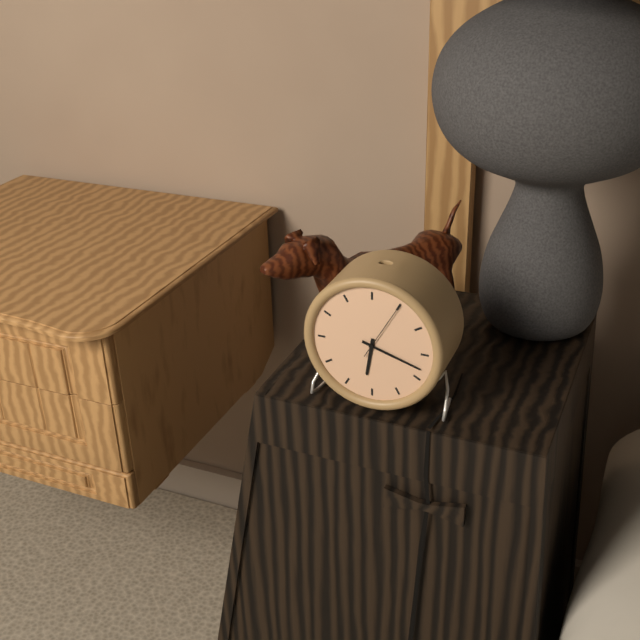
6:18:05
